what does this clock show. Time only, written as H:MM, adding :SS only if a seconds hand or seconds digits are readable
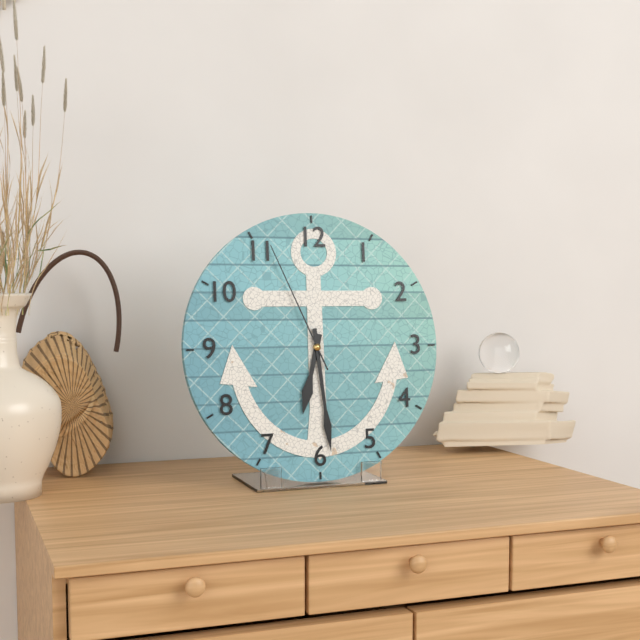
6:29:56
